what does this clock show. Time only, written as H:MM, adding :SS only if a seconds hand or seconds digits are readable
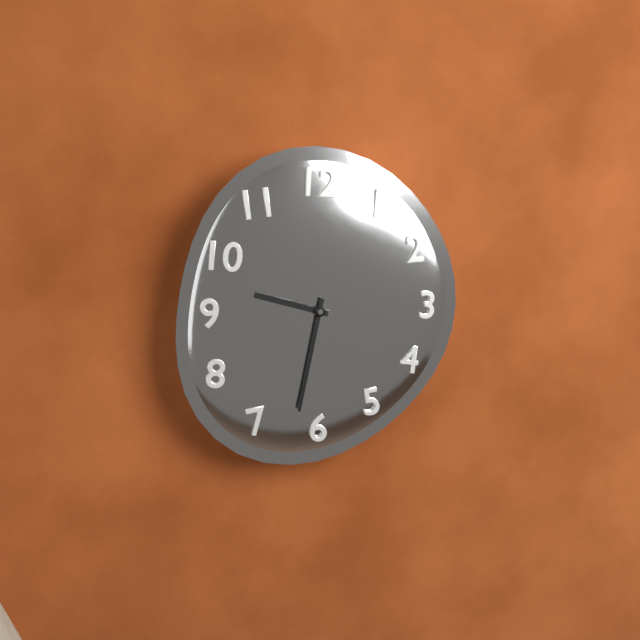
9:32
